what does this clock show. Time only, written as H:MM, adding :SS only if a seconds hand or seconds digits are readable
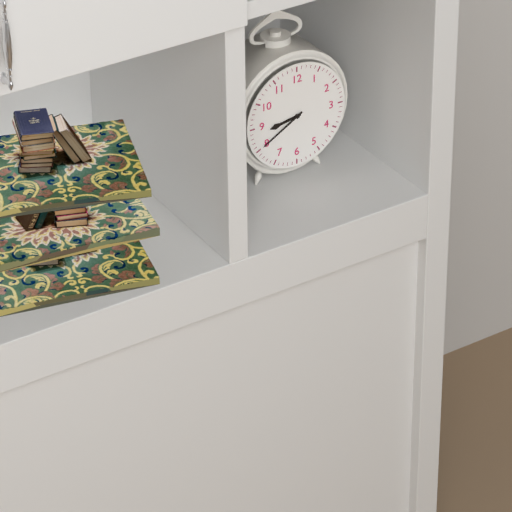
8:40
